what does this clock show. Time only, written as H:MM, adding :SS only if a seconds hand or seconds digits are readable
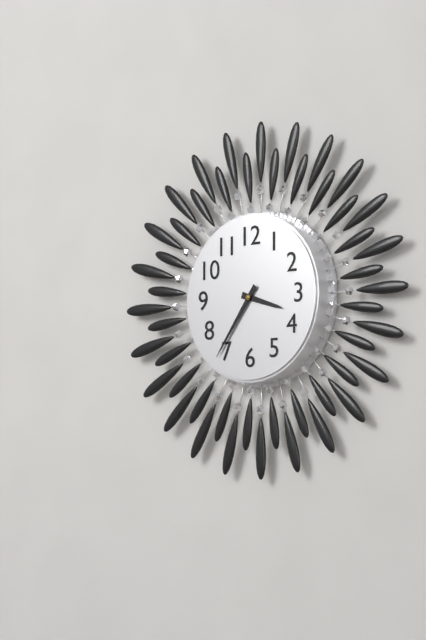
3:36
